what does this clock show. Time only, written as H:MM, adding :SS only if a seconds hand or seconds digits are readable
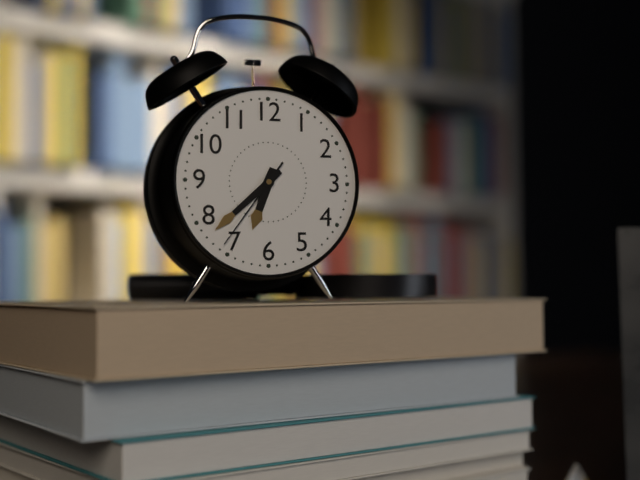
6:38:36
